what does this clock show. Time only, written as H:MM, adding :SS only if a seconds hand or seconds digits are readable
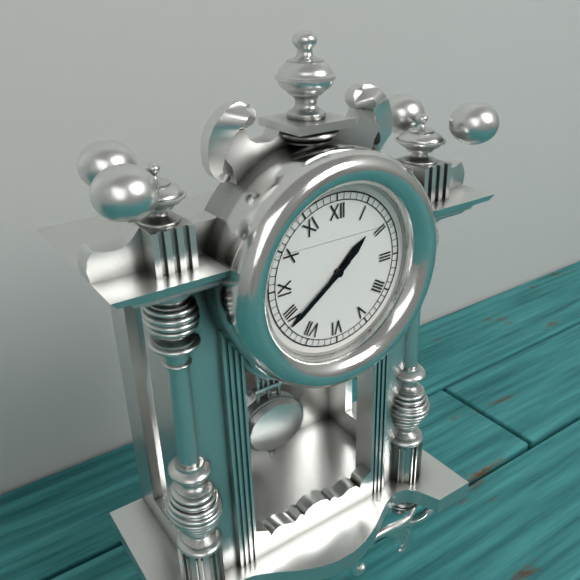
1:39
